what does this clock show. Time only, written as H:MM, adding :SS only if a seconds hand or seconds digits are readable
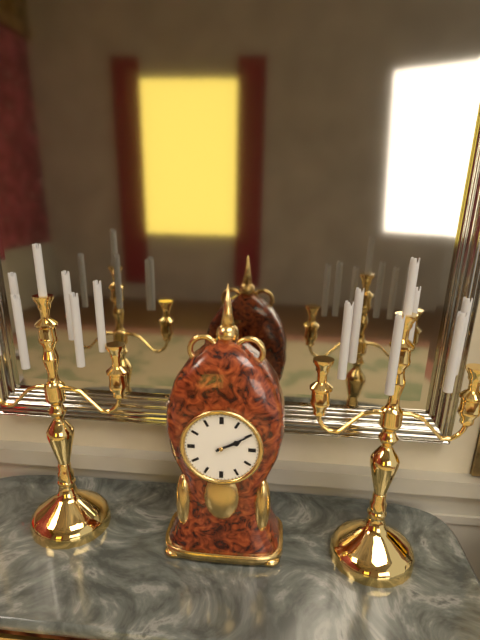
2:10
